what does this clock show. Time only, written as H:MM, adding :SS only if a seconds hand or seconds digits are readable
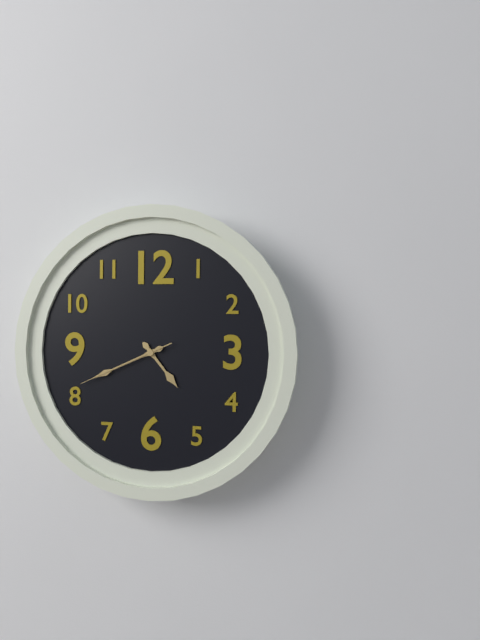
4:41:41
